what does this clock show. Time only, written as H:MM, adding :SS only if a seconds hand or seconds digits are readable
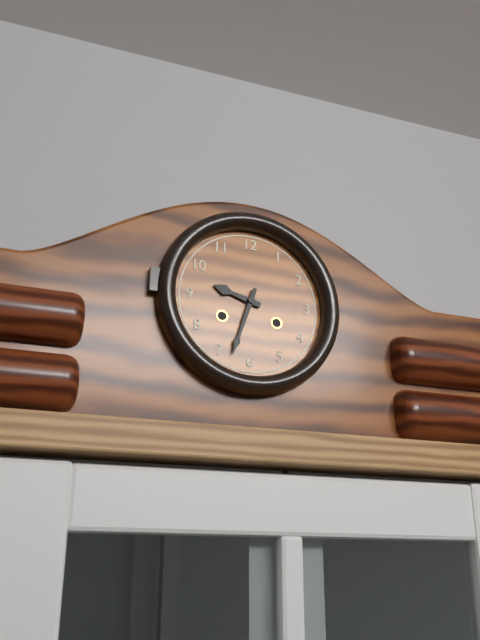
9:33
